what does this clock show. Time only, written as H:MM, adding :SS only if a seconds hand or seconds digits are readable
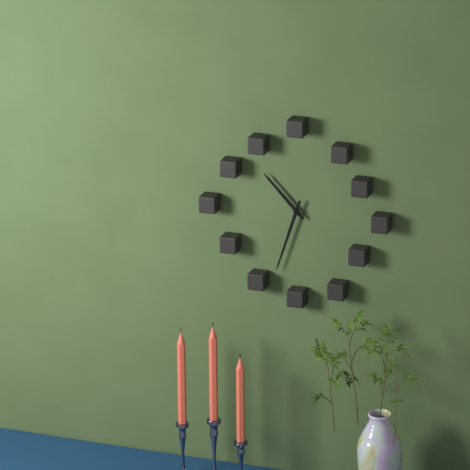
10:33
